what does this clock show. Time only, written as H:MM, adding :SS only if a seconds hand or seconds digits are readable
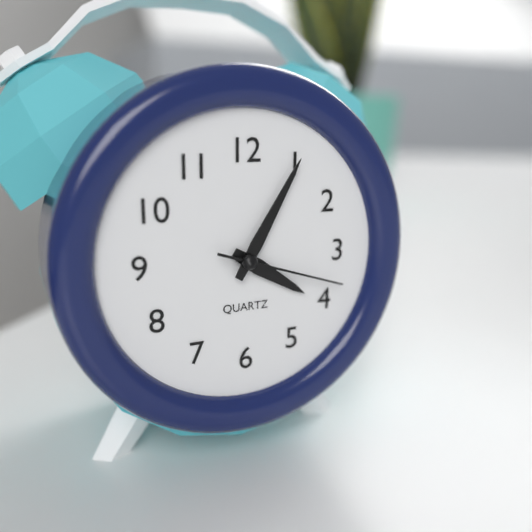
4:05:18
